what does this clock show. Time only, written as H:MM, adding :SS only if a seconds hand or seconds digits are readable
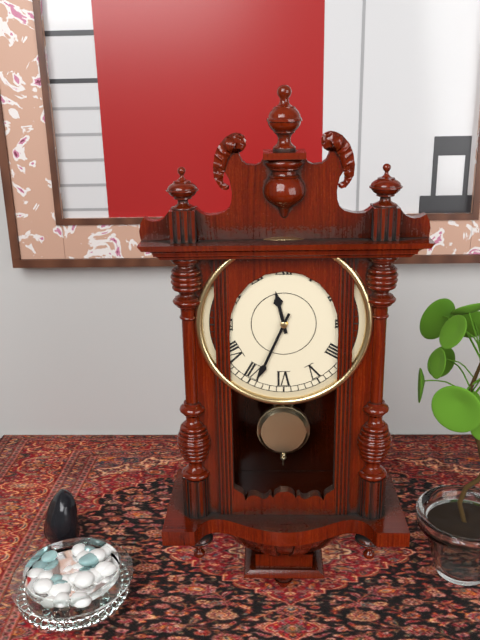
11:34
